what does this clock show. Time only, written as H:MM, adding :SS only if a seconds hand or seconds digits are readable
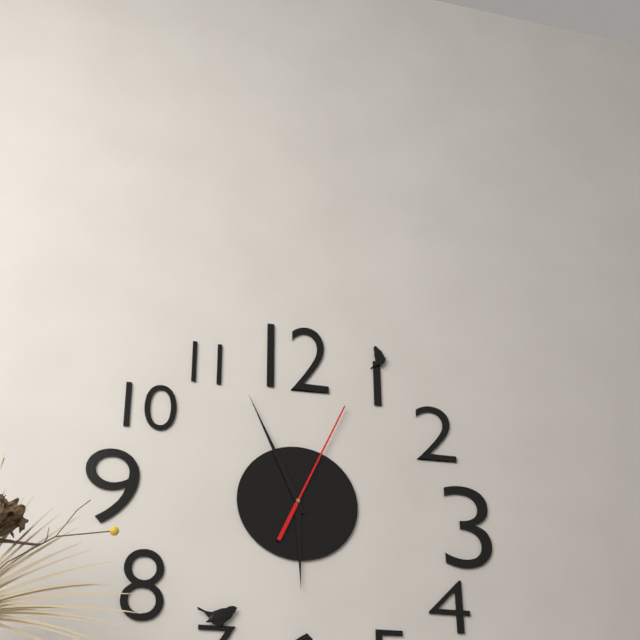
5:56:04
